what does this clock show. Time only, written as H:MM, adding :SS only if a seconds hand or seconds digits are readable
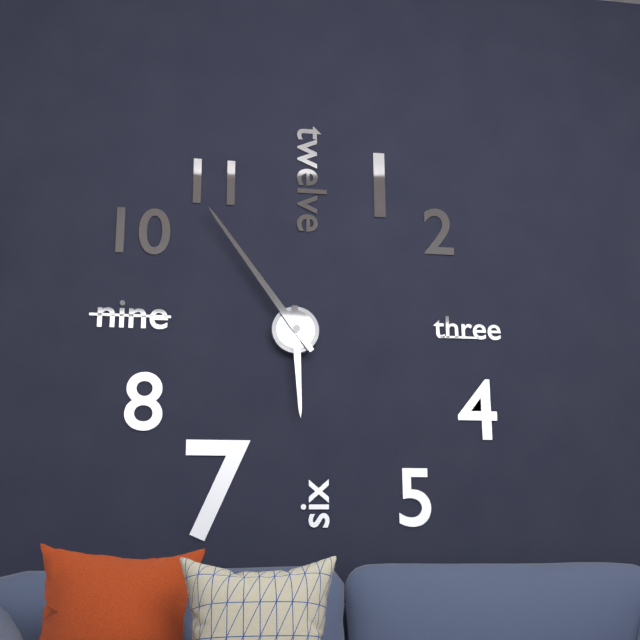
5:54
